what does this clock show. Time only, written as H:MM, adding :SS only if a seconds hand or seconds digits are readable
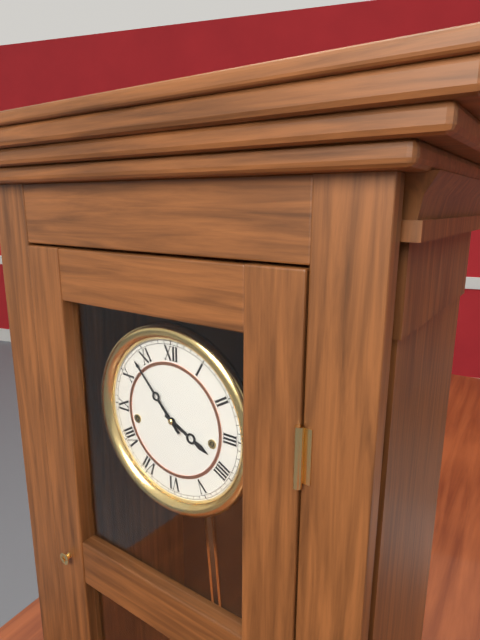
3:53
